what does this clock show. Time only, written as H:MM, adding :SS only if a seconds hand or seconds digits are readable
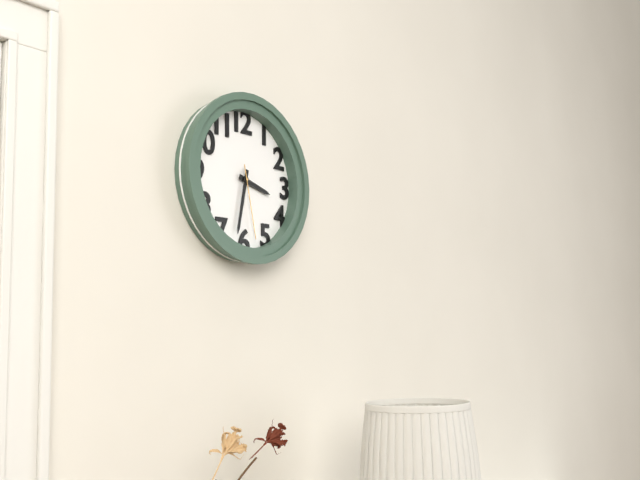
3:32:28
